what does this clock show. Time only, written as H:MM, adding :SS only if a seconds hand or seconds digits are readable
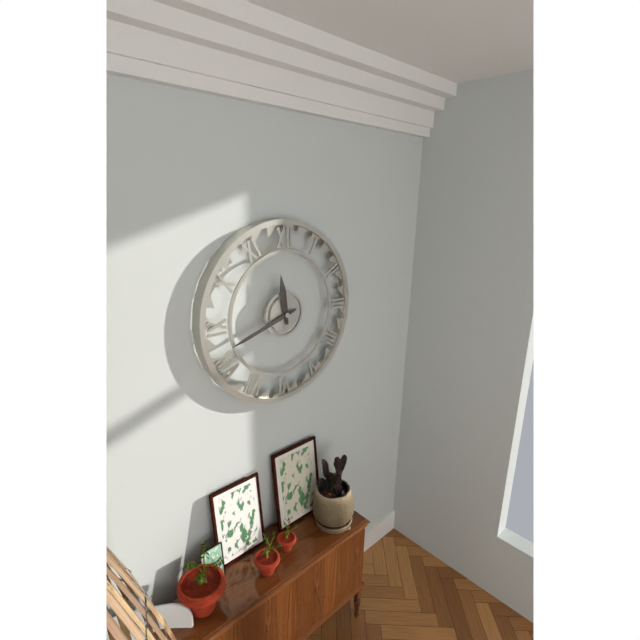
11:42
